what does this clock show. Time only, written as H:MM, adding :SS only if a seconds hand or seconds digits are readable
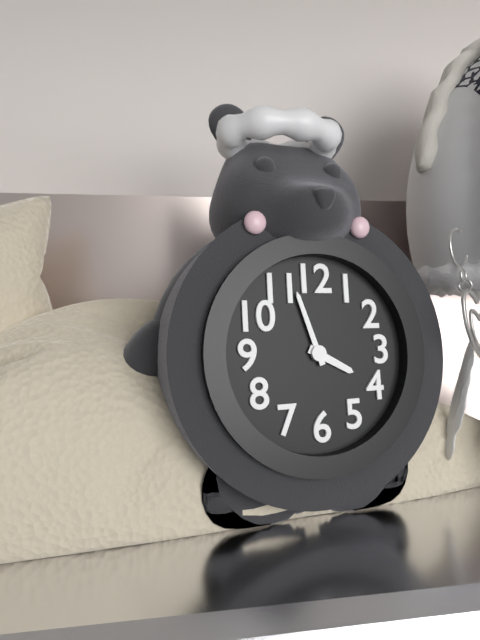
3:57
